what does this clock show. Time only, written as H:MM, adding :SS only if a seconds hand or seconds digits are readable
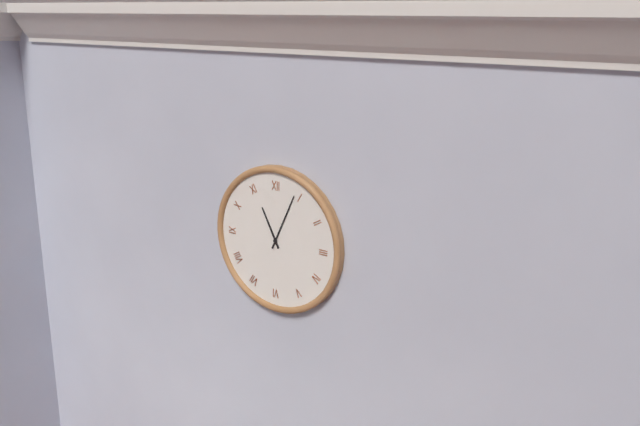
11:04
